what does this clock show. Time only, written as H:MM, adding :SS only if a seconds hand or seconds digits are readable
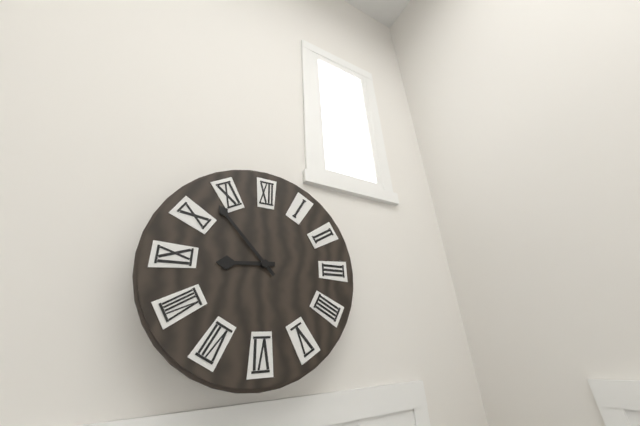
8:53
